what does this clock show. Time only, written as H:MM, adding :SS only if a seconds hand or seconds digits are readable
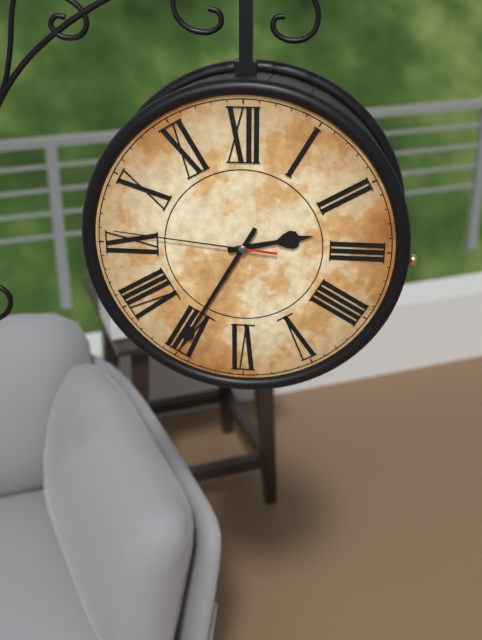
2:35:46
